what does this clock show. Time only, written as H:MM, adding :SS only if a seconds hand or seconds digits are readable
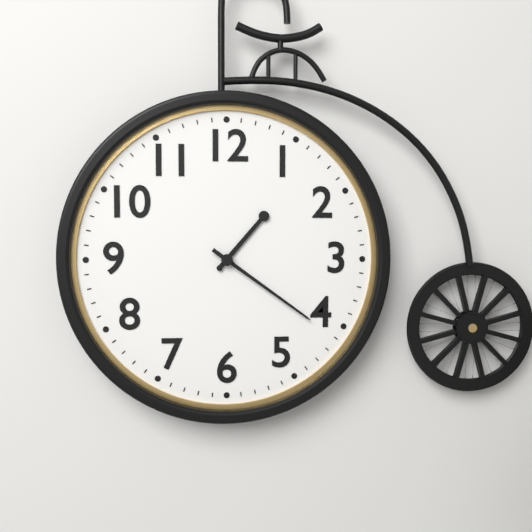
1:21
